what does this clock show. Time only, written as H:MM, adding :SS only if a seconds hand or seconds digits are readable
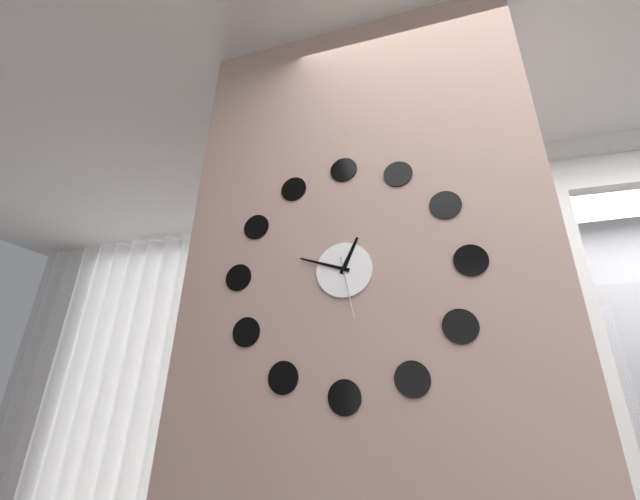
12:48:28
